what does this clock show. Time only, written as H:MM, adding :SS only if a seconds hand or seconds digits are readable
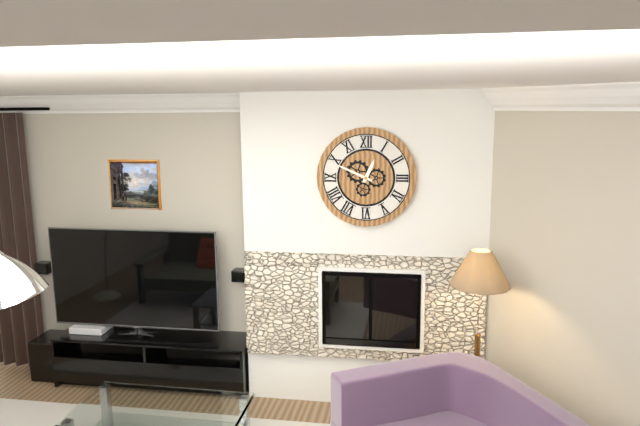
12:49
